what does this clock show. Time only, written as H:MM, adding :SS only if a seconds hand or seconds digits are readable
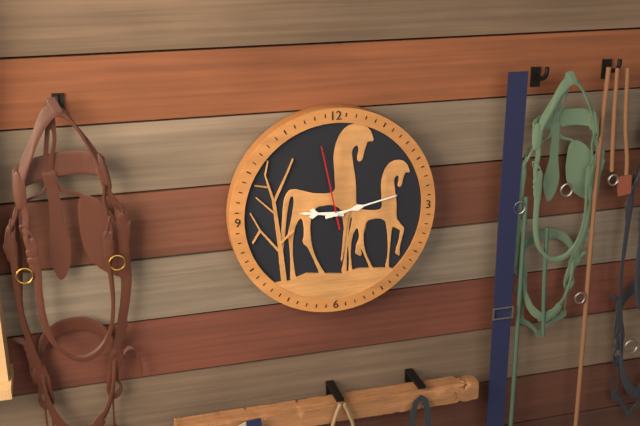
9:13:58
